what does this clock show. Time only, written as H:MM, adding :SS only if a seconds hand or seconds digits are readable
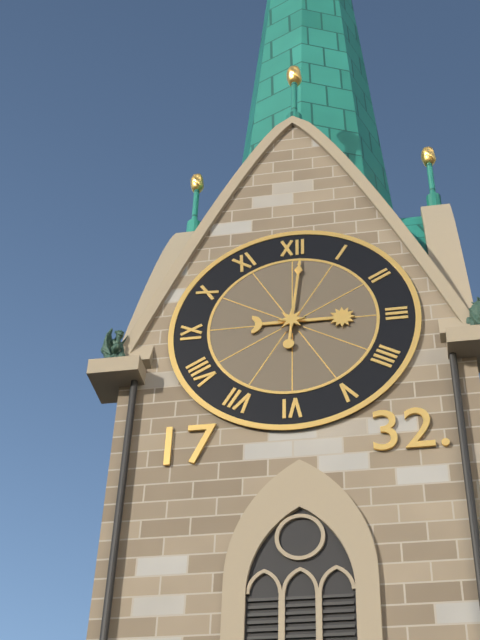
3:01
